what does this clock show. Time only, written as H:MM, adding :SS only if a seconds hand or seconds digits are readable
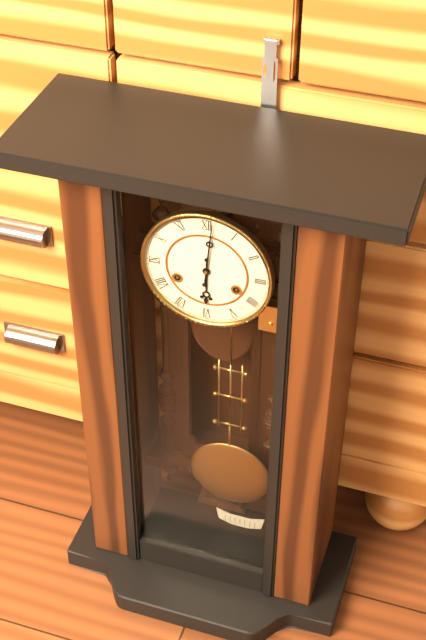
6:01
